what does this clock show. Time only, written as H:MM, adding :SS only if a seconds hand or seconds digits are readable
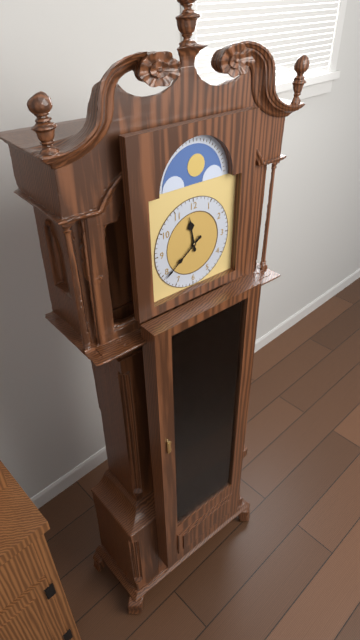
11:39
